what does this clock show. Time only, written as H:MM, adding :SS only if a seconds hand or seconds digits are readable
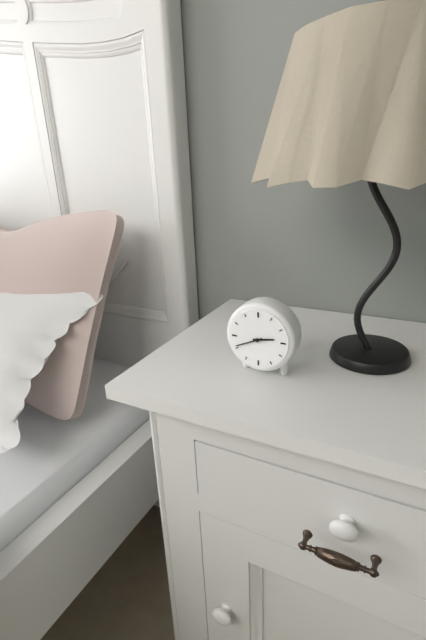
2:41
